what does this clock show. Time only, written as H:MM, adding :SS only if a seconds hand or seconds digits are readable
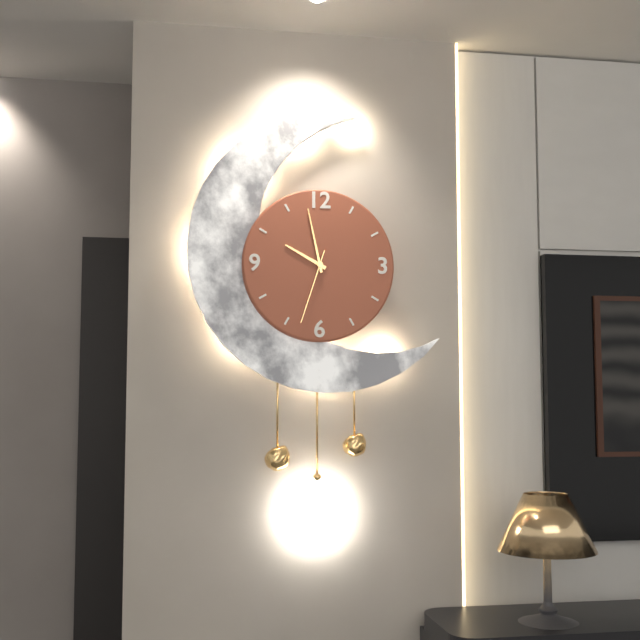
9:58:33
